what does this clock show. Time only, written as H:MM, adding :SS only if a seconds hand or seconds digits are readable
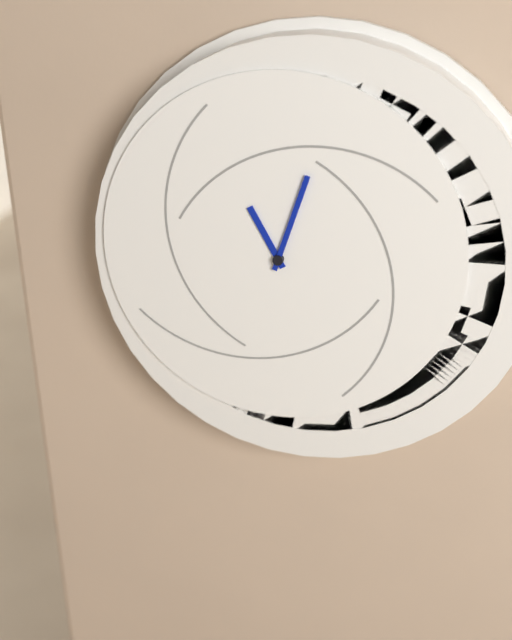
11:03
